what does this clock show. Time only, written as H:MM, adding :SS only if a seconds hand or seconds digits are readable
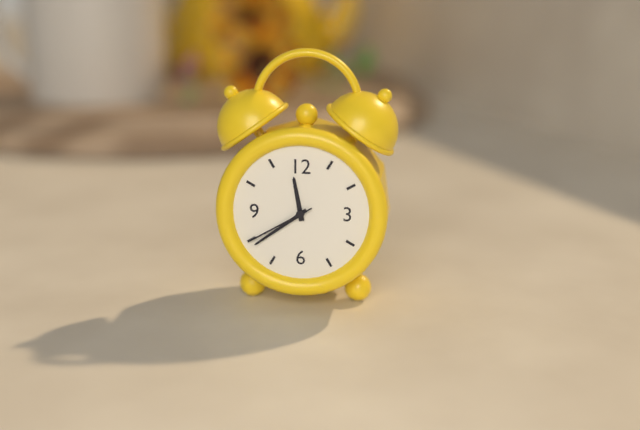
11:39:40
